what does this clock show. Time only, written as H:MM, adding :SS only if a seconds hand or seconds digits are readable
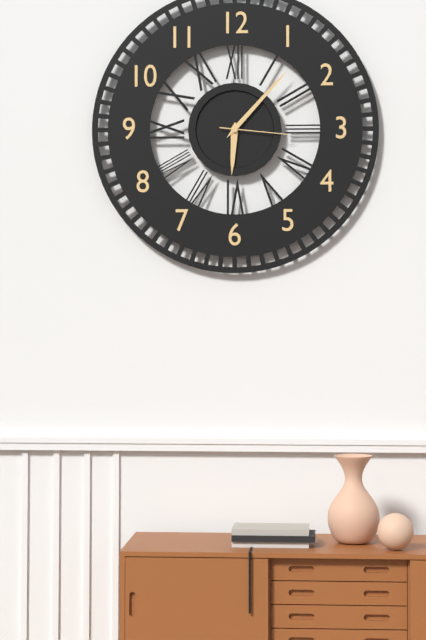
6:07:16
